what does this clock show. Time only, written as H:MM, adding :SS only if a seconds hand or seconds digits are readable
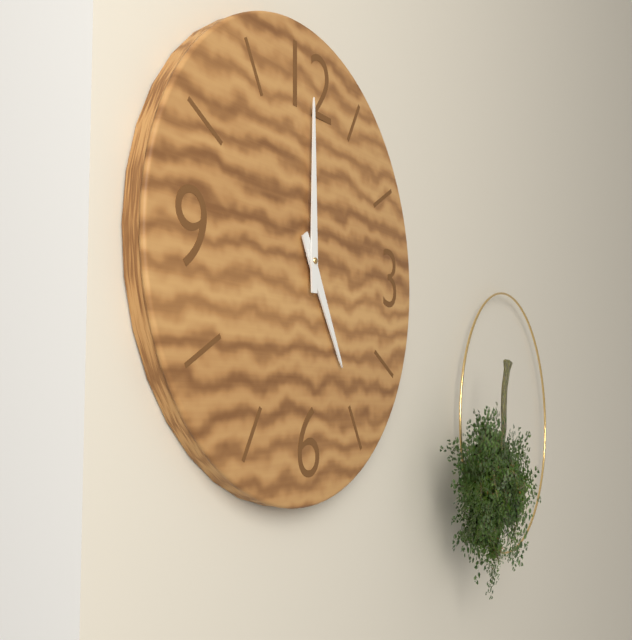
5:00
